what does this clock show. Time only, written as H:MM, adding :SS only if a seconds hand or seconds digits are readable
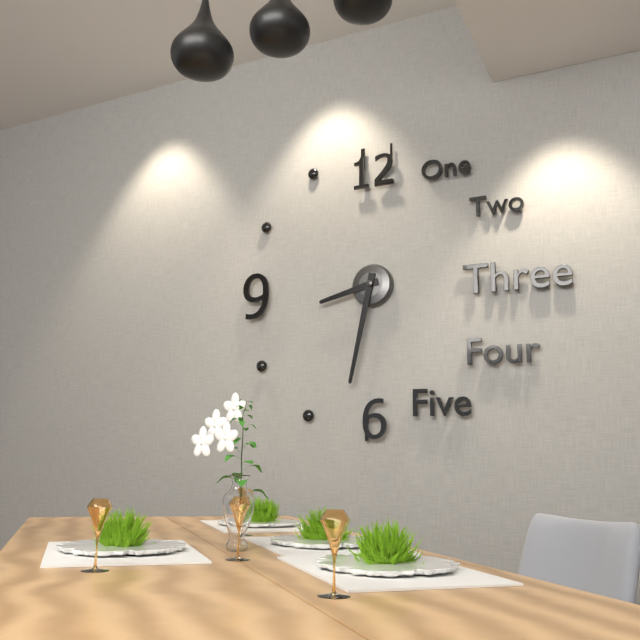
8:32
